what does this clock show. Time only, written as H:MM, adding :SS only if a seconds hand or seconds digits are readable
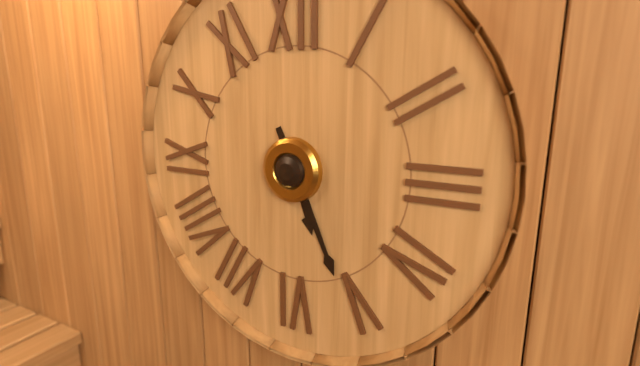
5:26
